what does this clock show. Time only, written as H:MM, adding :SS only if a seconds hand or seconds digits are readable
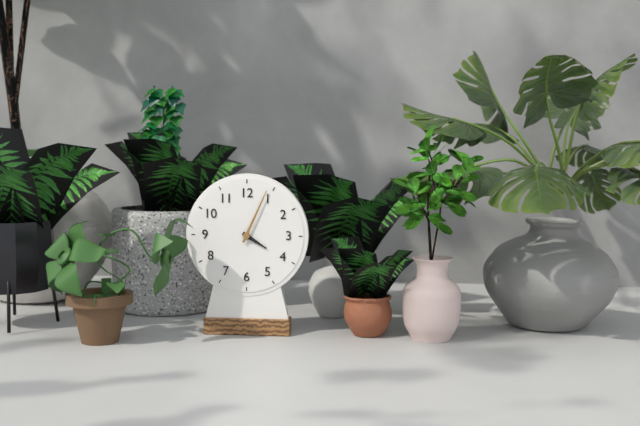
4:04
